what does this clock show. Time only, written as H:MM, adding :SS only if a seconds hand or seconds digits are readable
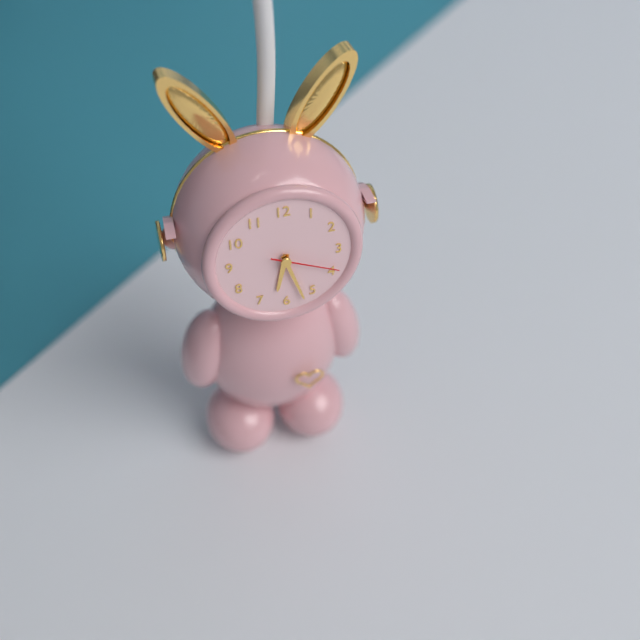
6:27:19
